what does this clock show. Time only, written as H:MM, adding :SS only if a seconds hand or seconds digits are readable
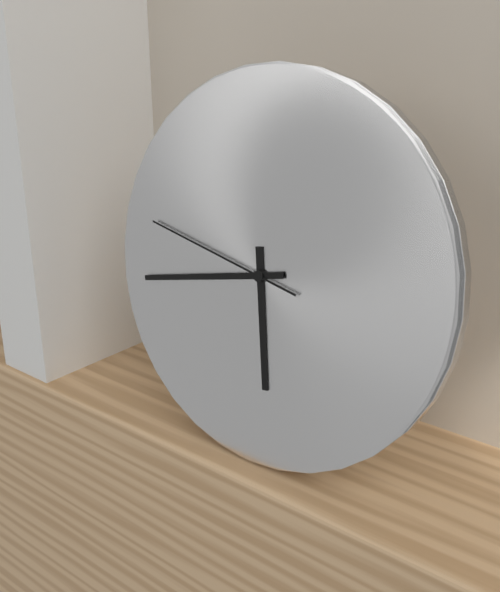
5:43:47
